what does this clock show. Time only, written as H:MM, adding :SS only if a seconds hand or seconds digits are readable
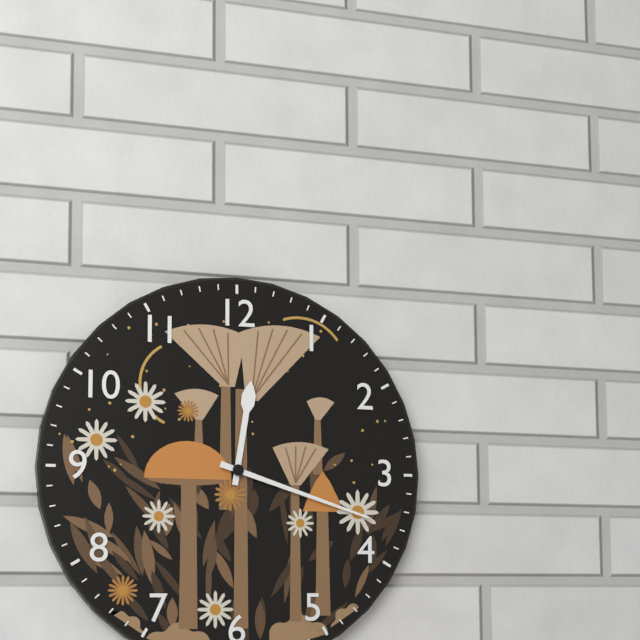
12:18
